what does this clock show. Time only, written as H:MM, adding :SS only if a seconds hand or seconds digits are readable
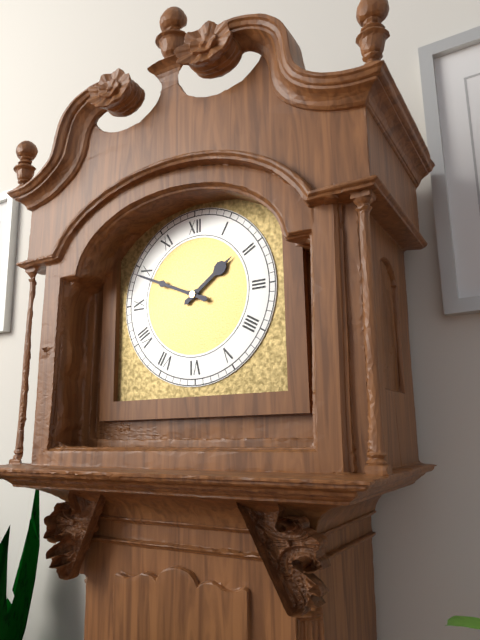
1:49
